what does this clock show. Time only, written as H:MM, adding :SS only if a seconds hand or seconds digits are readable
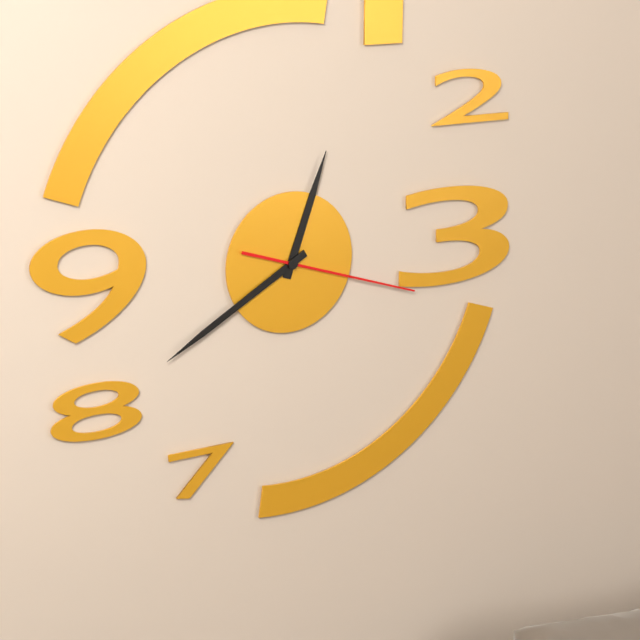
12:40:18
